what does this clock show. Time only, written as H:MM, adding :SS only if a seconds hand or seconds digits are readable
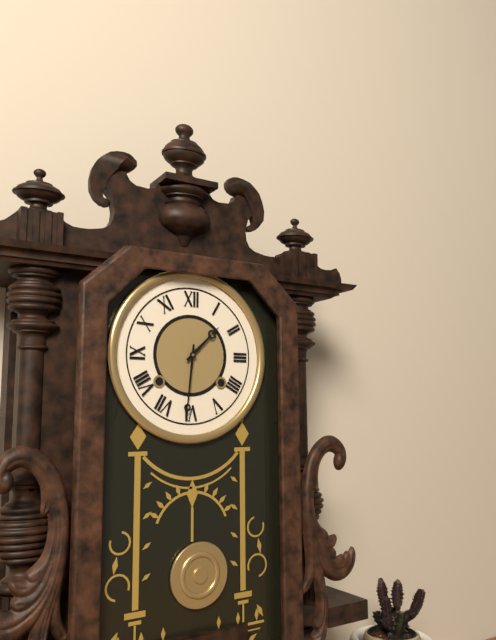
1:31
